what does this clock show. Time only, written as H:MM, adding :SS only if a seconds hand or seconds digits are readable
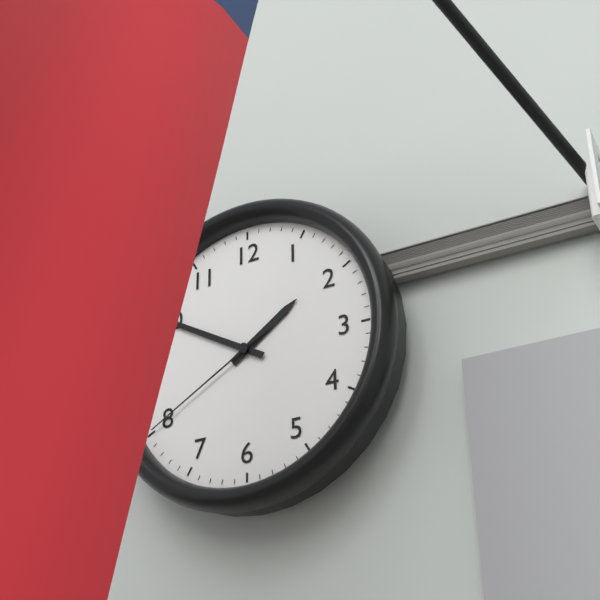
1:50:40
